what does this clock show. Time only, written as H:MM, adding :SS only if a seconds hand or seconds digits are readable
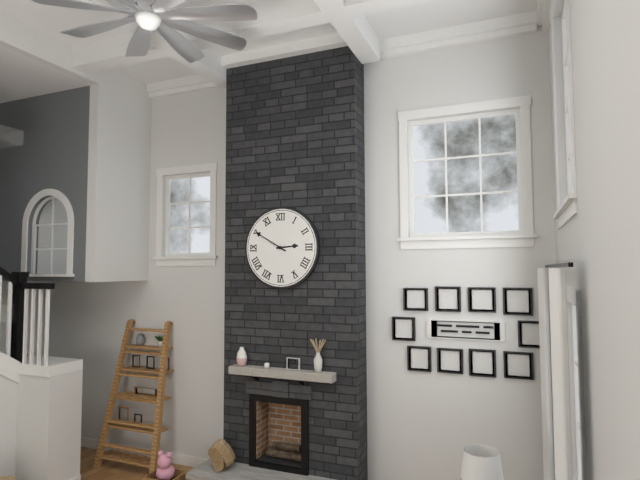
2:50
